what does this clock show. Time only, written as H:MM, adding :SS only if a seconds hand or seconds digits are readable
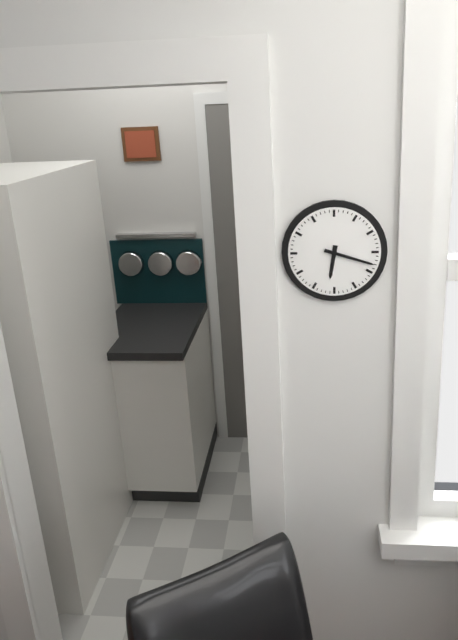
6:18
